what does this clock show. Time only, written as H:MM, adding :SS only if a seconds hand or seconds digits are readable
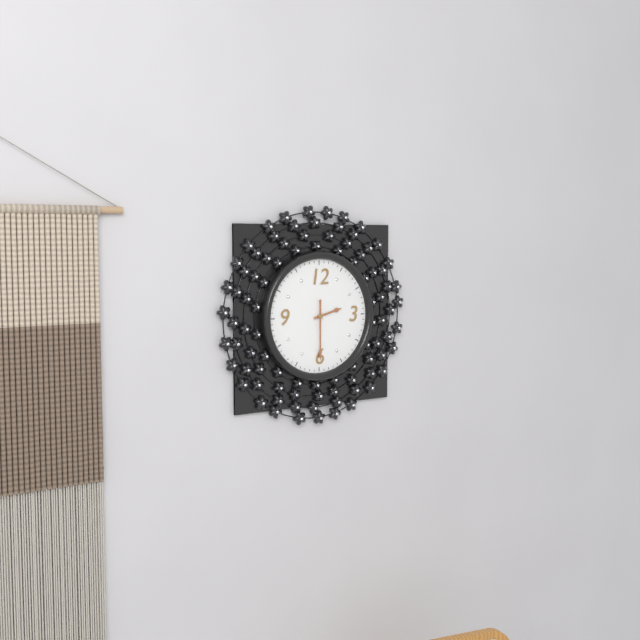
2:30
